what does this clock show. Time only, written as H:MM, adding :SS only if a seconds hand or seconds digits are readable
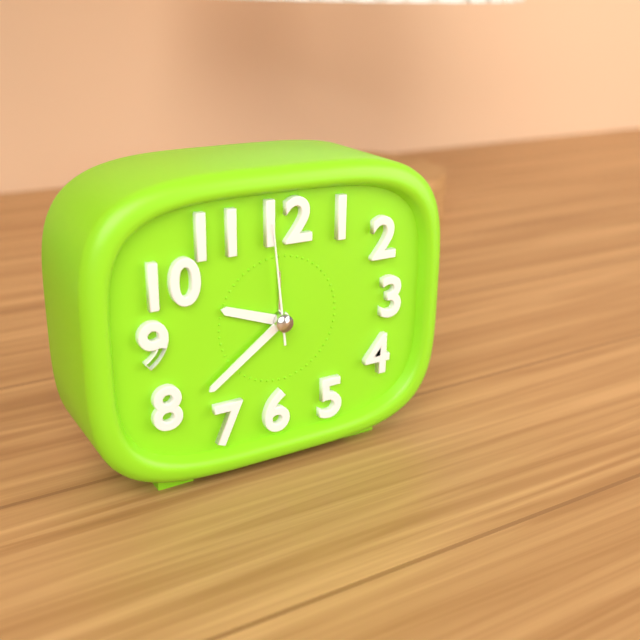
9:39:59
